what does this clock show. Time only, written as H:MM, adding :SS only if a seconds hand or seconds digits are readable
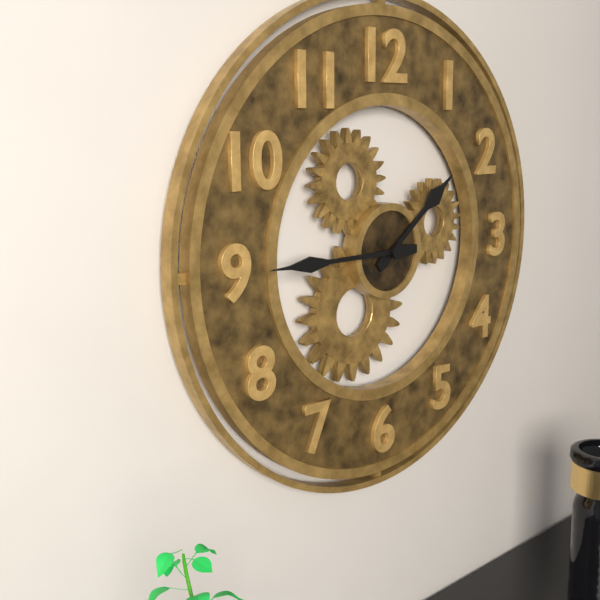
1:45
